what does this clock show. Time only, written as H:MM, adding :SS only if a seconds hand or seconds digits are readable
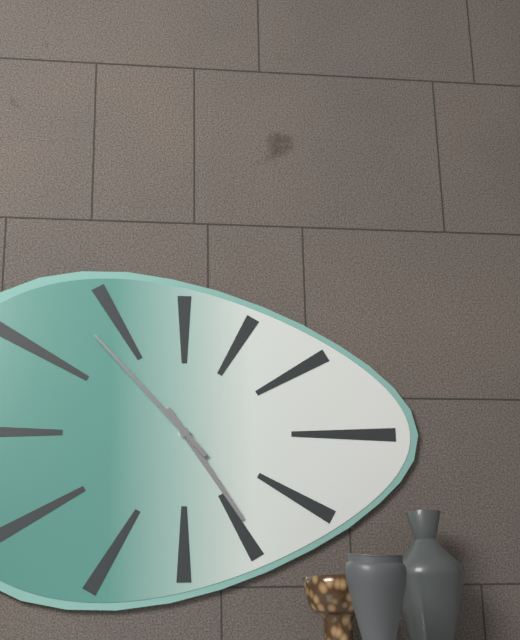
4:53
